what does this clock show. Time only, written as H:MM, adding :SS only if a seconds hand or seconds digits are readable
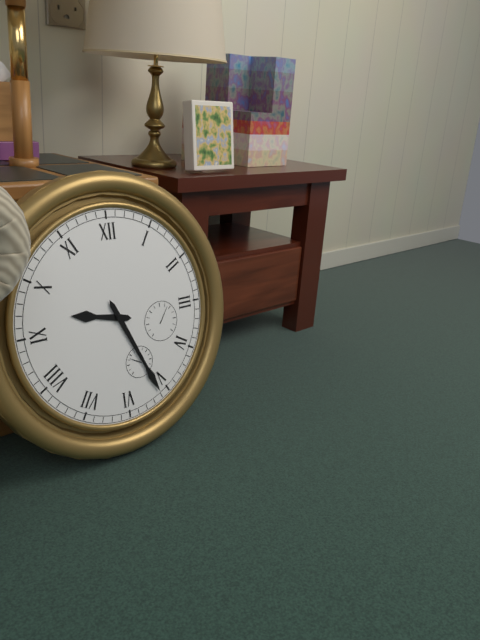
9:26
